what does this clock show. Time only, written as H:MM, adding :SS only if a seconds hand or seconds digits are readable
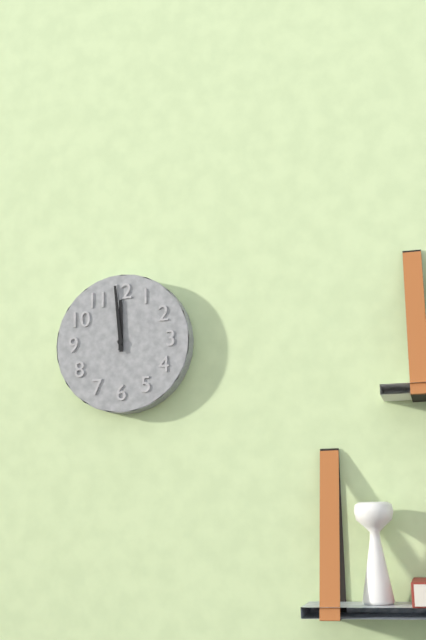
11:59
